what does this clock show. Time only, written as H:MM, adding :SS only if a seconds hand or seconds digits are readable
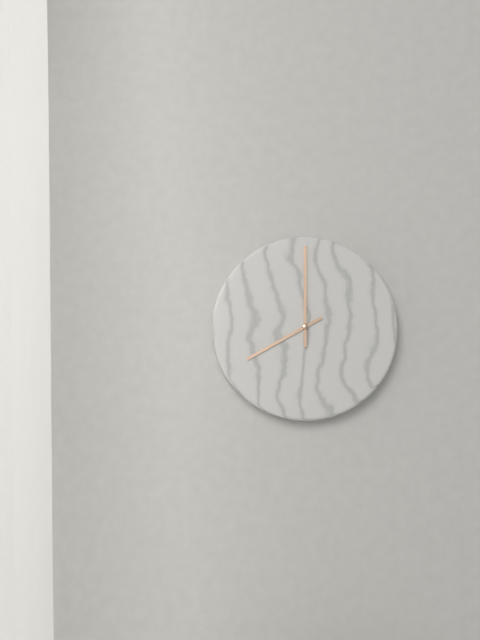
8:00
